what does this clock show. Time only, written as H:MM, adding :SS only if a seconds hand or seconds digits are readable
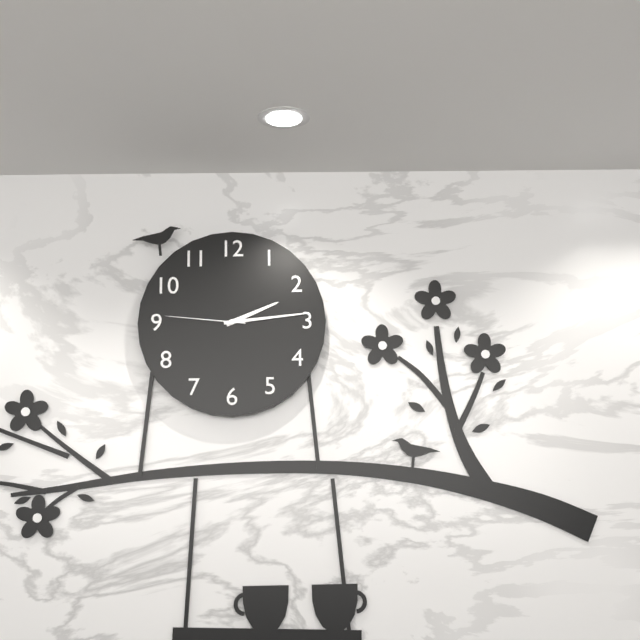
2:14:46
